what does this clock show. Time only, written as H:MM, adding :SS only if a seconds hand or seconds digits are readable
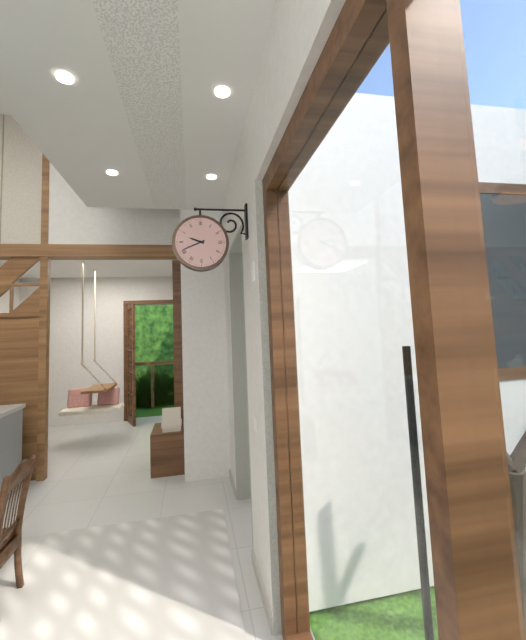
9:41
